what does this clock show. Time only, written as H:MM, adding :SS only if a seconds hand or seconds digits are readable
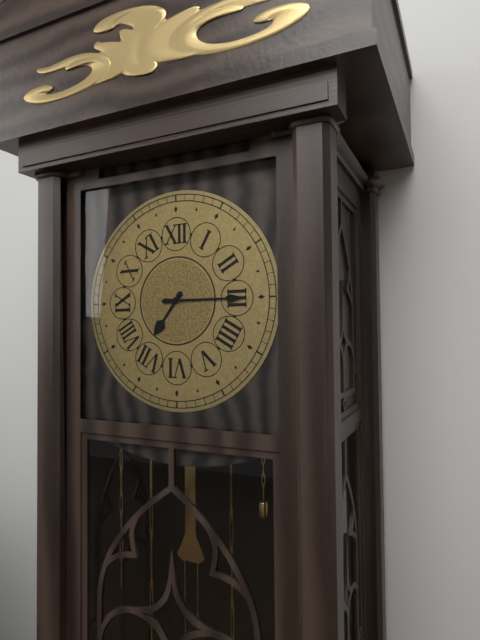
7:15
